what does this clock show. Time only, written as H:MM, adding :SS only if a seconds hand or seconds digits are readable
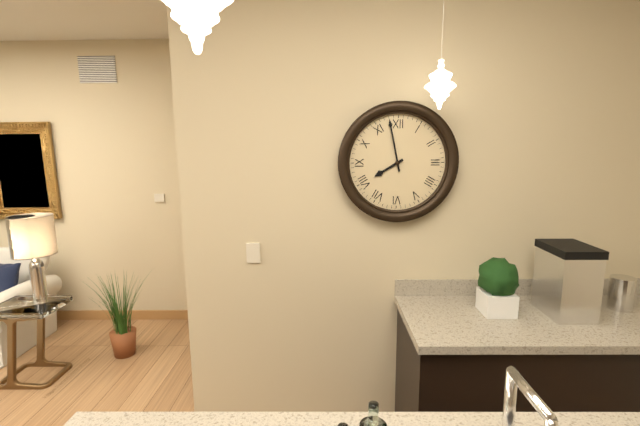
7:58
